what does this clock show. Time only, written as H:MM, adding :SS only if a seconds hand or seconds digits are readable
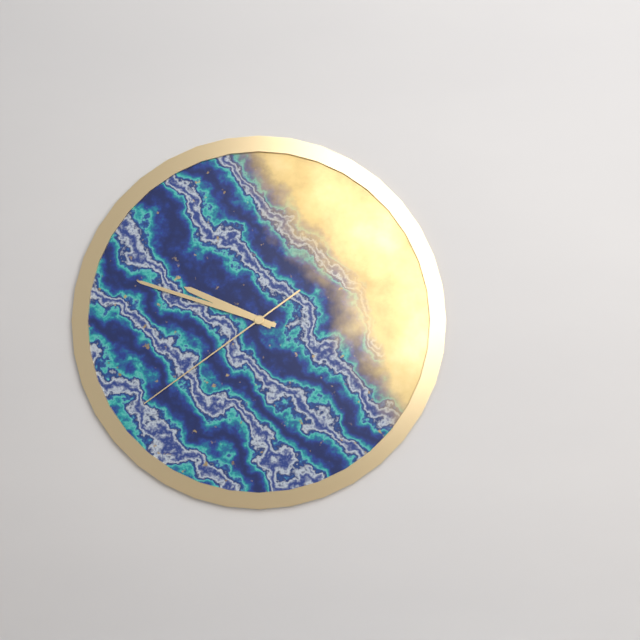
9:48:39
